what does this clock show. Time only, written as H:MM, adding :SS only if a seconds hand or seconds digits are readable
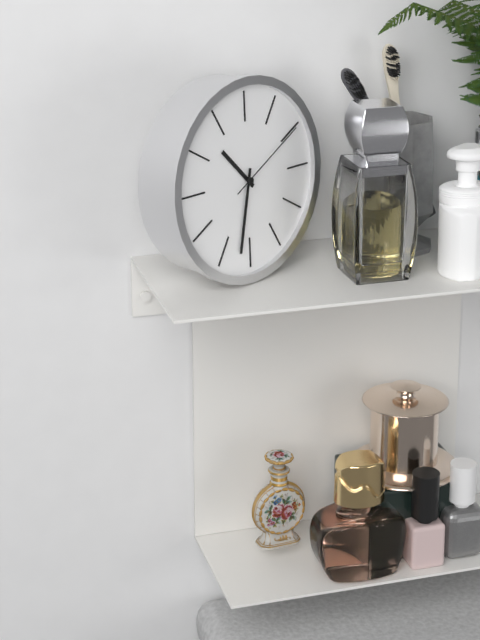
10:32:10
